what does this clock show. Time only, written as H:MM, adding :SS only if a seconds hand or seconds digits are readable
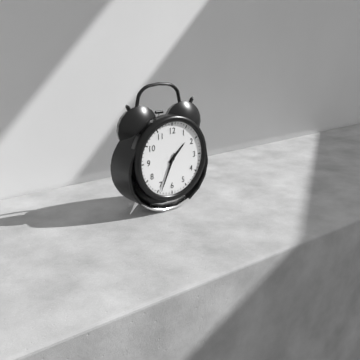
1:34
